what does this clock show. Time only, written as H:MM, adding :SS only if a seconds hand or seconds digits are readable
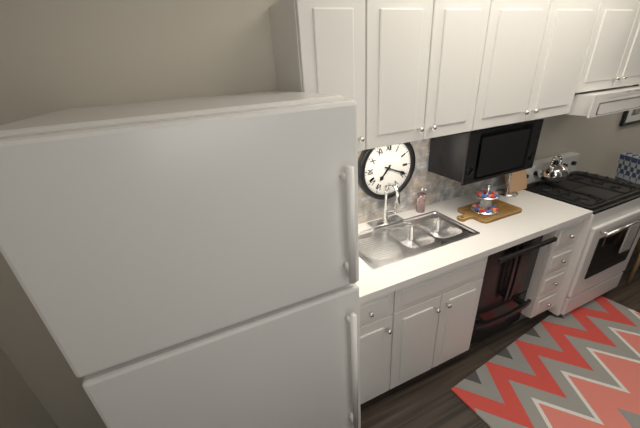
7:19
